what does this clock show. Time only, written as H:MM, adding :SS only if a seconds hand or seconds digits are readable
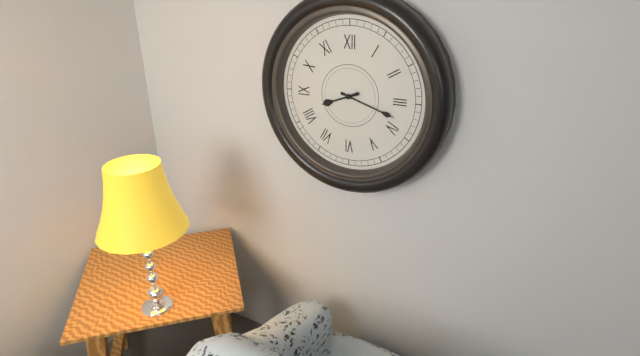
8:18
